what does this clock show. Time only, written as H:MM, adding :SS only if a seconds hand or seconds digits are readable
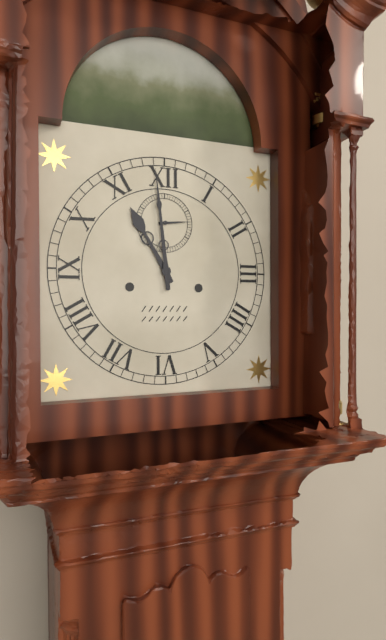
10:59
